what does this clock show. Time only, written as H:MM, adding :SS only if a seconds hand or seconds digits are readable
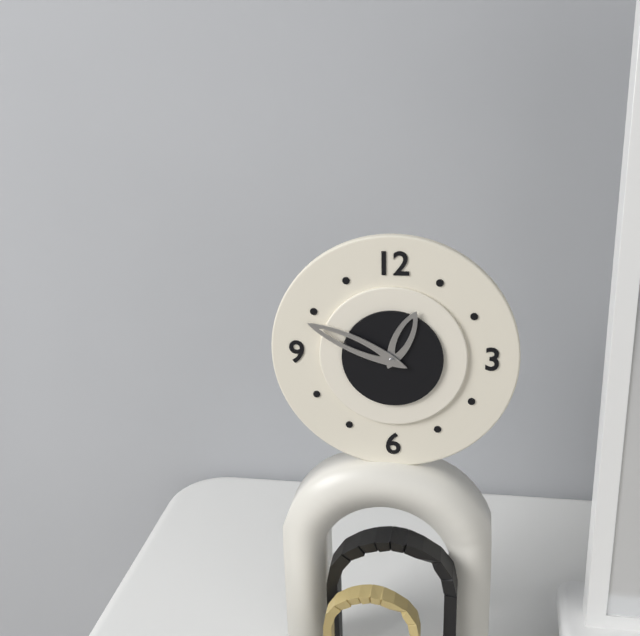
12:49
